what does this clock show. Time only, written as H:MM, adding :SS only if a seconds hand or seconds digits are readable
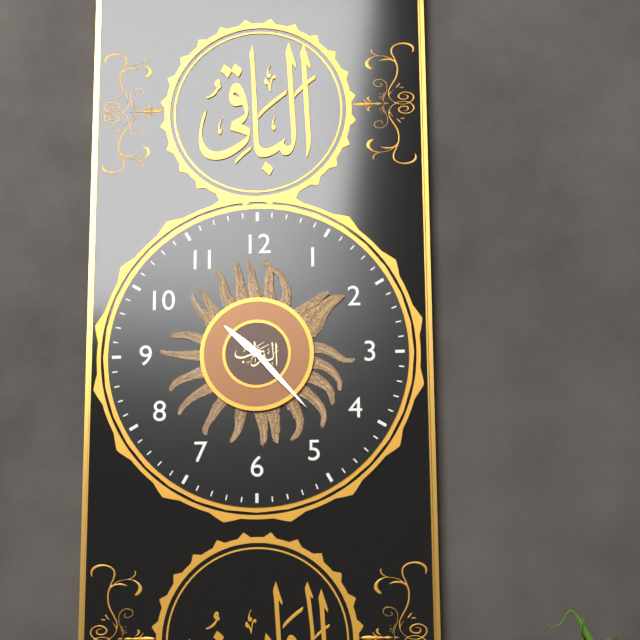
10:23
